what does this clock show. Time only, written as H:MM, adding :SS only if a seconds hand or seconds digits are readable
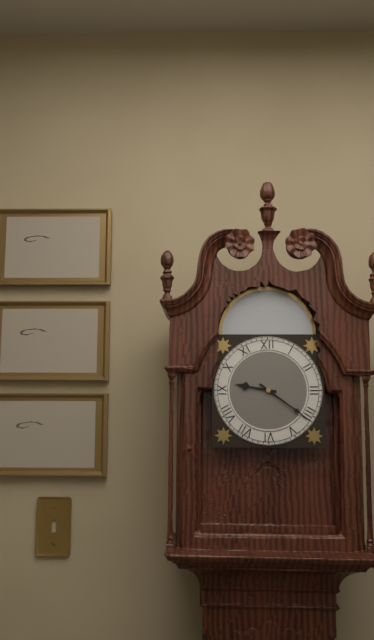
9:21
